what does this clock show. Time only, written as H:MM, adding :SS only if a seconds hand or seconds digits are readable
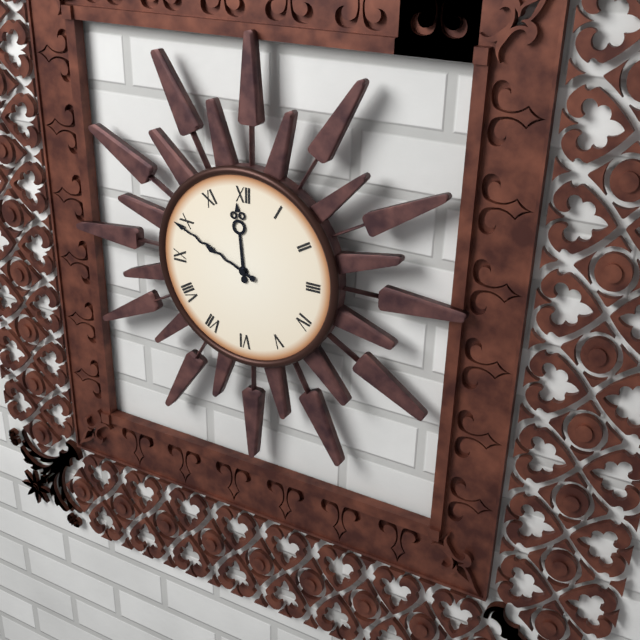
11:49
